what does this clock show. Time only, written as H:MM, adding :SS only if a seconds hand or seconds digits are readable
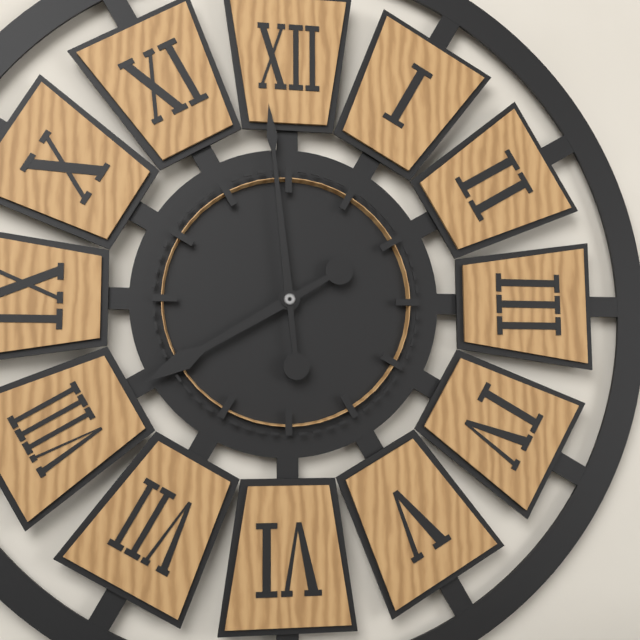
7:59
